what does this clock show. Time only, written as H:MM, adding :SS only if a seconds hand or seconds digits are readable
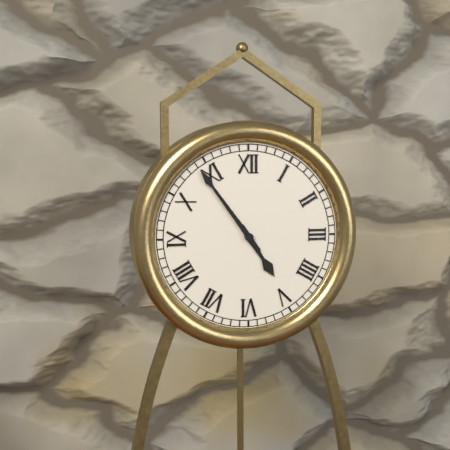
4:54
